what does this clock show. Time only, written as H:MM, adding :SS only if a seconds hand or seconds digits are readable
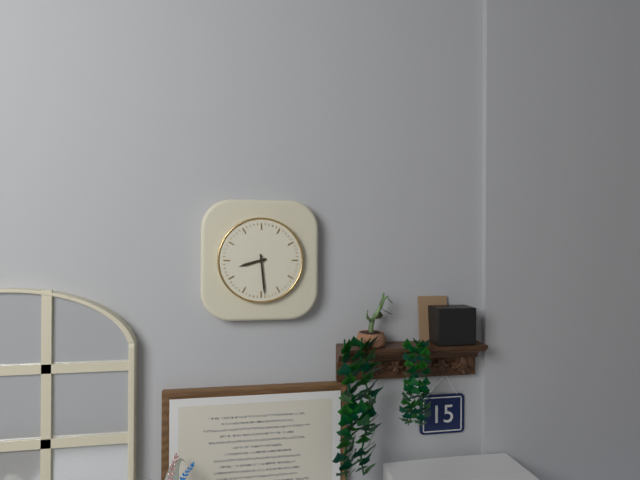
8:29
